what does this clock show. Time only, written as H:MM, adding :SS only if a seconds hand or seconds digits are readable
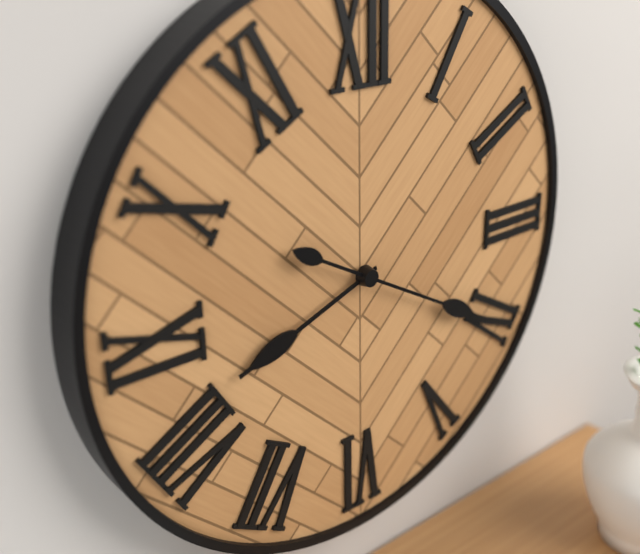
8:20
